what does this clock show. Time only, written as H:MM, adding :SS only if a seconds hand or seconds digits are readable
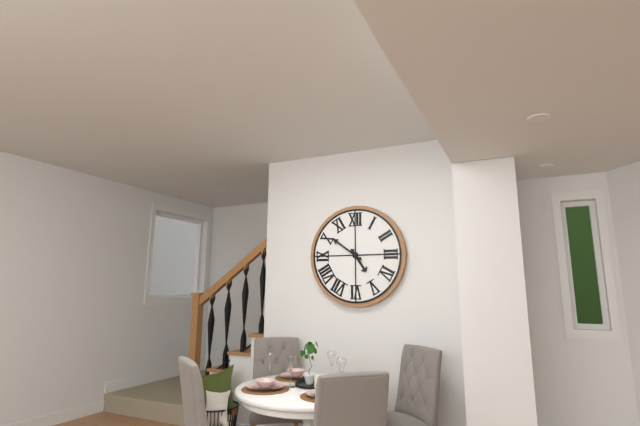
4:51
